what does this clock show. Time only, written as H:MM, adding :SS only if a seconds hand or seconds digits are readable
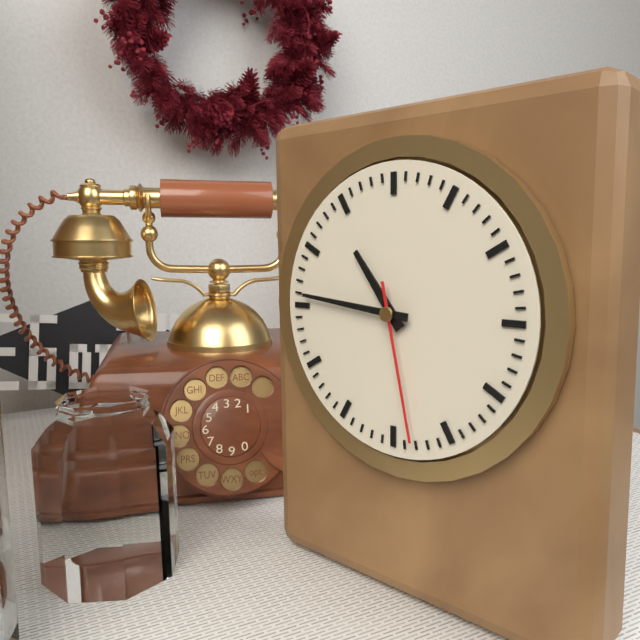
10:46:28
